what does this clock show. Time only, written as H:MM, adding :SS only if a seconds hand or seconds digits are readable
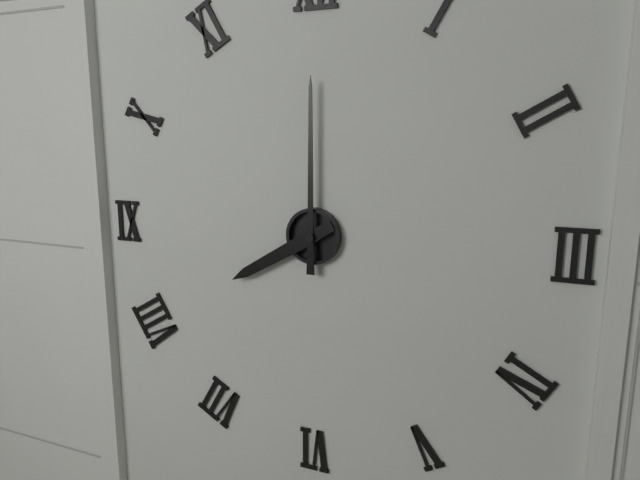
8:00
